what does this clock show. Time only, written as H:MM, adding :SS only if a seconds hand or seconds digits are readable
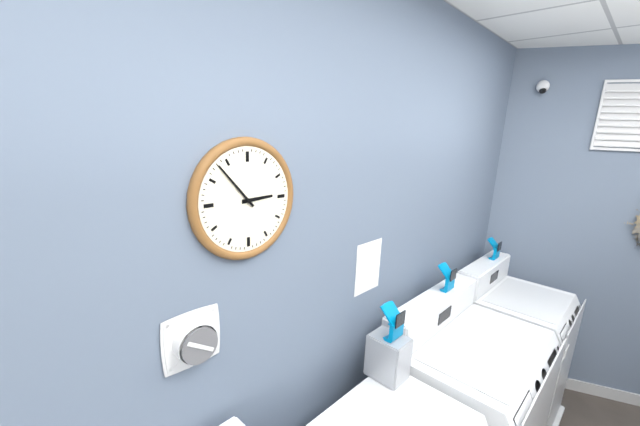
2:53
